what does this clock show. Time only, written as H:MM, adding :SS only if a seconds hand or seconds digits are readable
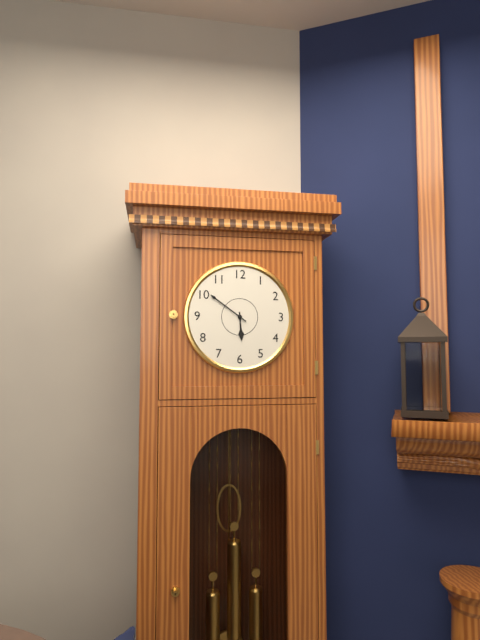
5:51
